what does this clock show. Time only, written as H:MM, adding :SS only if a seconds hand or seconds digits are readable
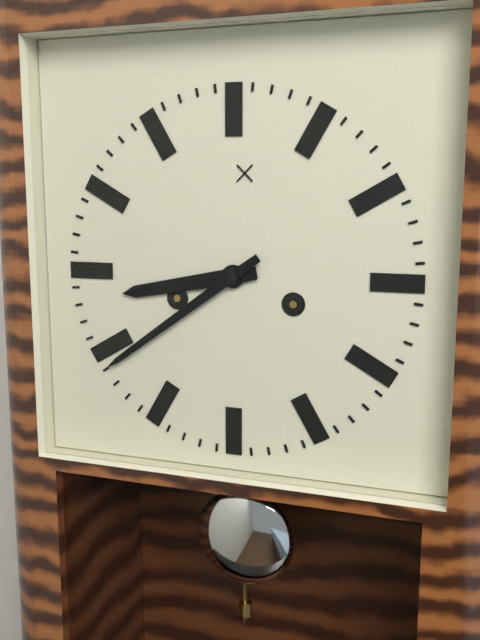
8:39
